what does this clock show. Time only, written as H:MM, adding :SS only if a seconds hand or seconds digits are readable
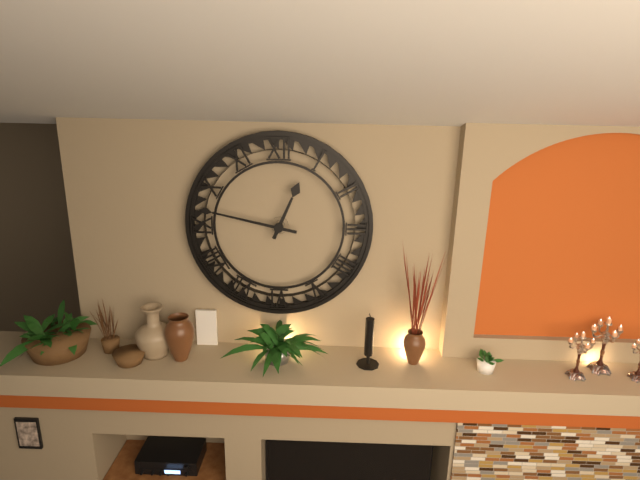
12:47
